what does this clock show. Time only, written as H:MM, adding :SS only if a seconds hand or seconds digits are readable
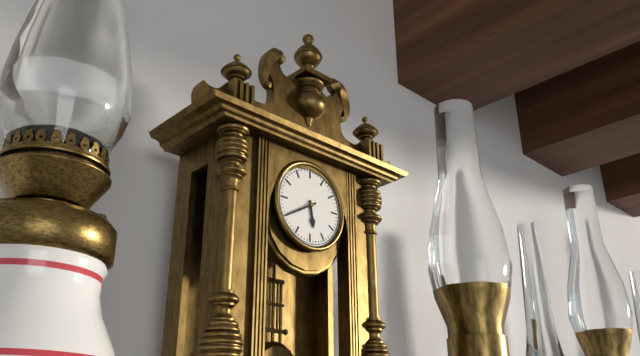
5:40
